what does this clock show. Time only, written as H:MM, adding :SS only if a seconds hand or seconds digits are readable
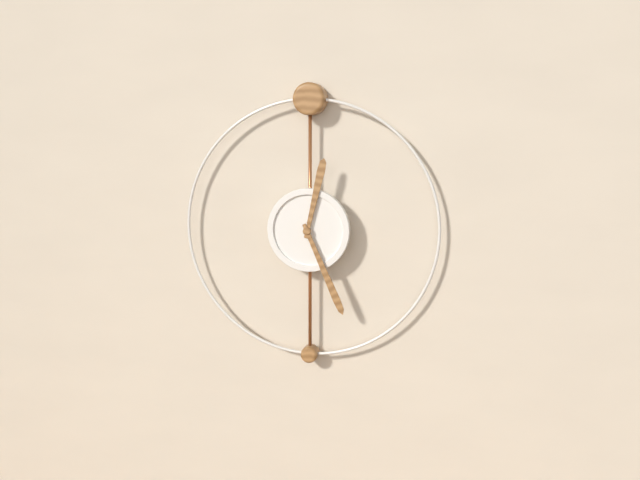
12:26
